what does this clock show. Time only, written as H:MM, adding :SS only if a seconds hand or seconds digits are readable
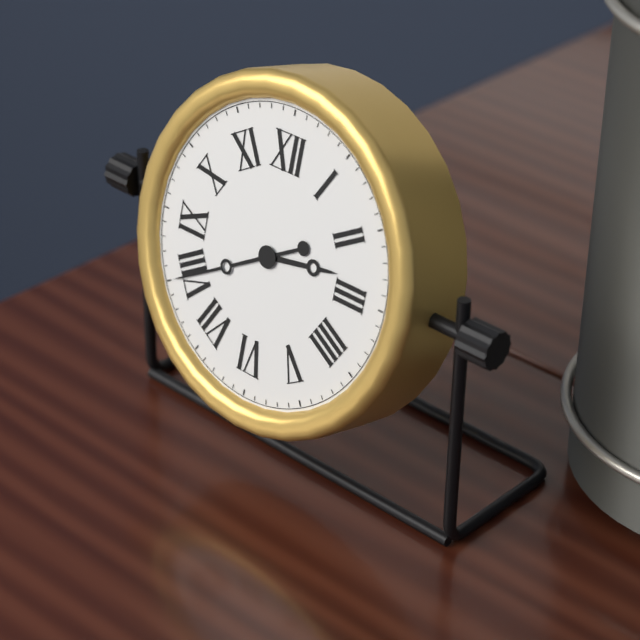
2:40
